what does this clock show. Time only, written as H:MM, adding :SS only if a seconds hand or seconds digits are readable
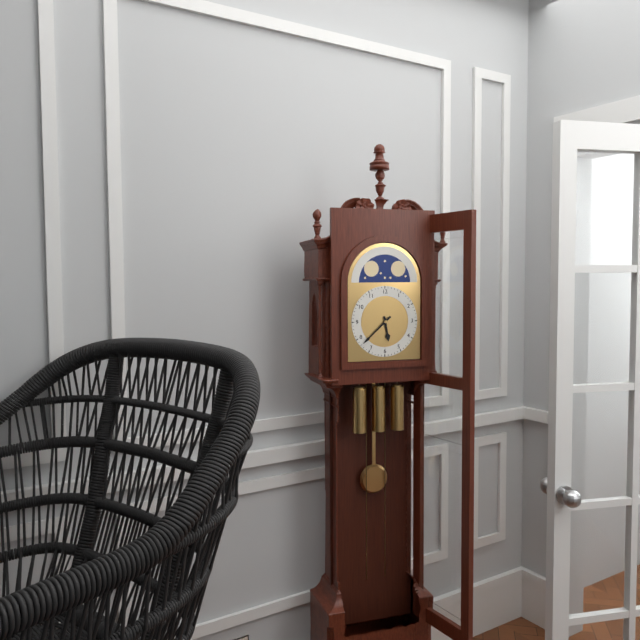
5:38
